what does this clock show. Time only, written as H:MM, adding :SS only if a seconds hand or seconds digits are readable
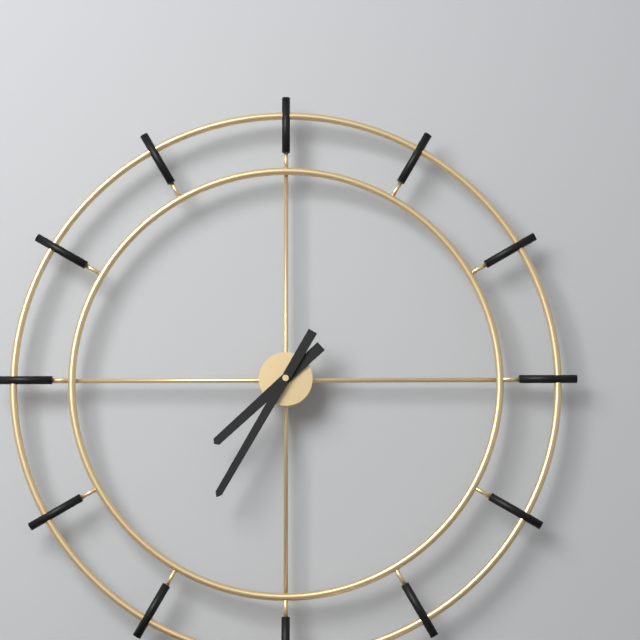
7:35
